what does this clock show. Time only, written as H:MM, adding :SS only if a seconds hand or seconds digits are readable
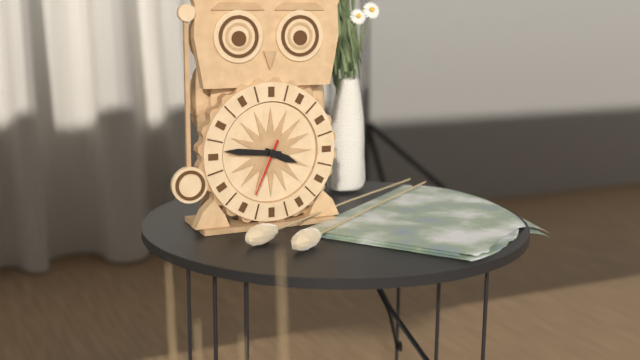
3:46:34
